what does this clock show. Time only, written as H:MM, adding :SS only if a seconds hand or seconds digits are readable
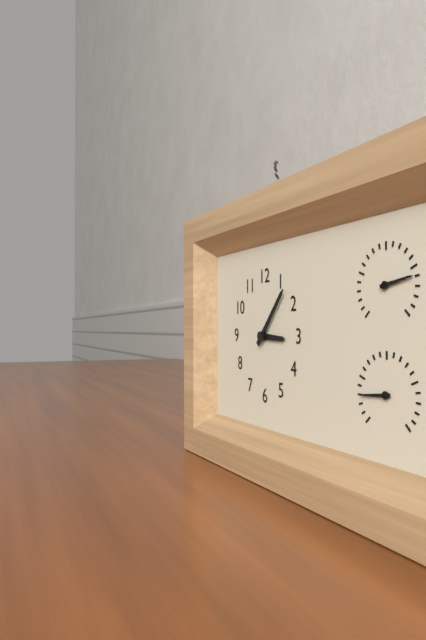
3:07
